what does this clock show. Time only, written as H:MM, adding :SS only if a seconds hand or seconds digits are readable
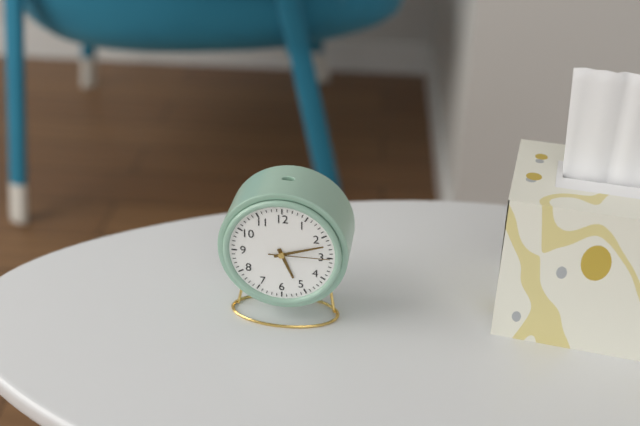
5:12:15
